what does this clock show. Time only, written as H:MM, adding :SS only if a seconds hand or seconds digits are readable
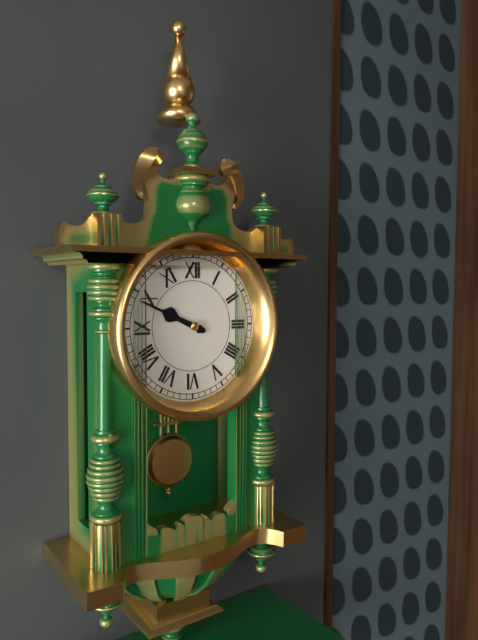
9:49
